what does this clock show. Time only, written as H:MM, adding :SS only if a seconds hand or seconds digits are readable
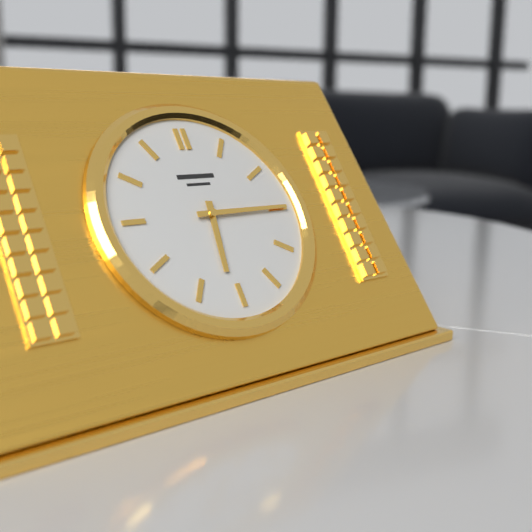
6:15
